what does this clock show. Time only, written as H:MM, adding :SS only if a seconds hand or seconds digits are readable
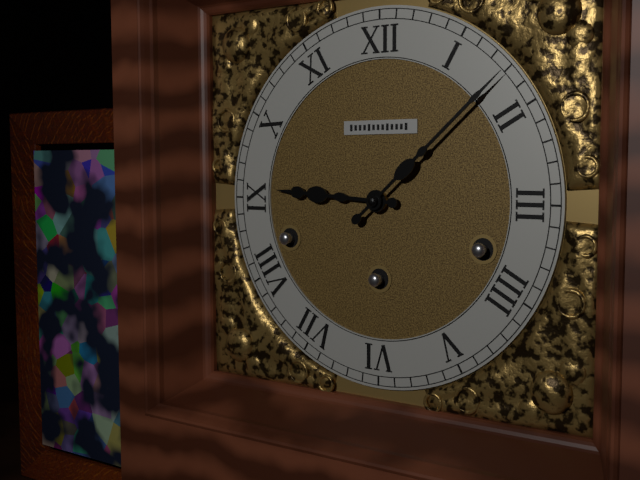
9:08
